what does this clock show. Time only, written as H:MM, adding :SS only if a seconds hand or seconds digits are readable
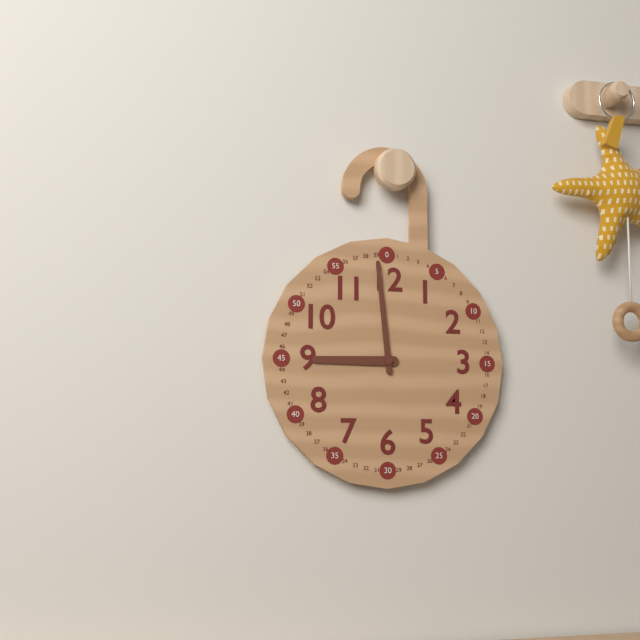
8:59
